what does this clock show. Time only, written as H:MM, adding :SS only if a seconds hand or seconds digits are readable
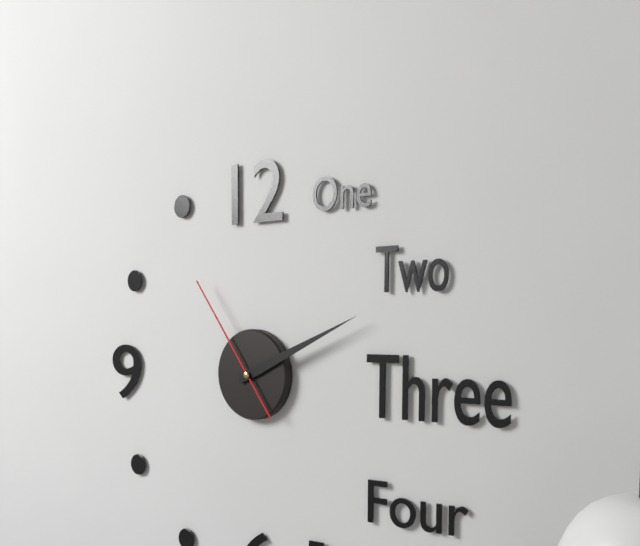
2:11:54
